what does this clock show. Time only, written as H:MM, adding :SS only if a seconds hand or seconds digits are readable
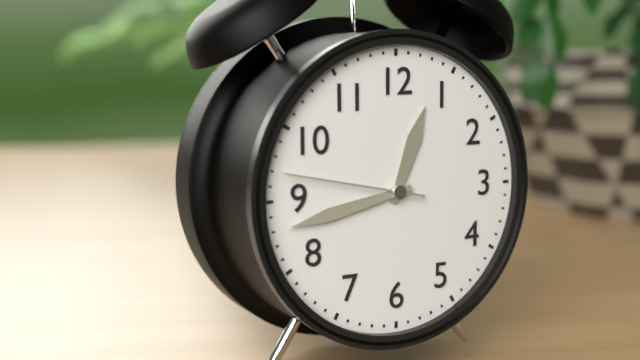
12:43:47
